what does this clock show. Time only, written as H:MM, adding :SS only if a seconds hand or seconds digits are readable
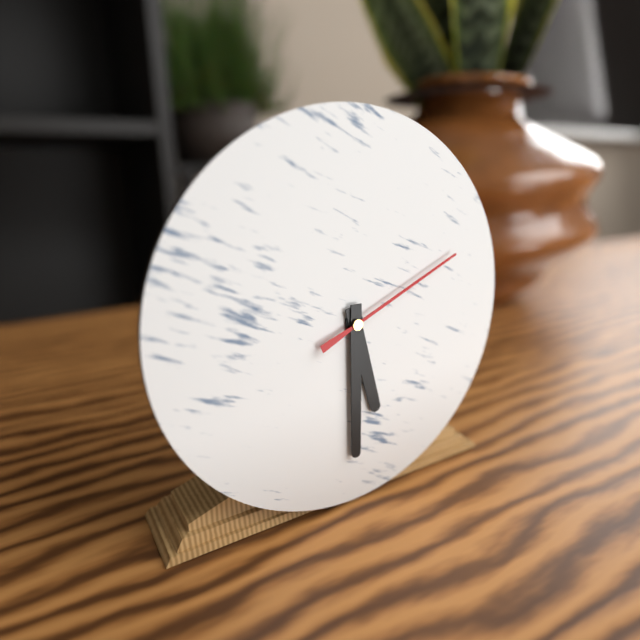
5:30:11
